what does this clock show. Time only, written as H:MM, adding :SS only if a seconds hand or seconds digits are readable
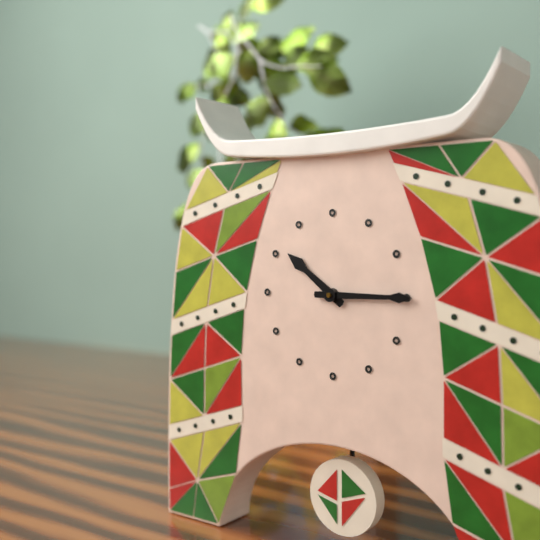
10:15
